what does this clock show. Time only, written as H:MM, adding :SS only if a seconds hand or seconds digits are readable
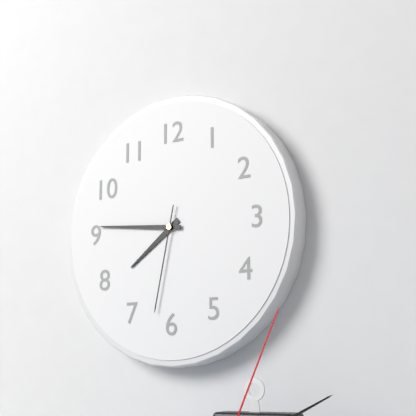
7:46:32
